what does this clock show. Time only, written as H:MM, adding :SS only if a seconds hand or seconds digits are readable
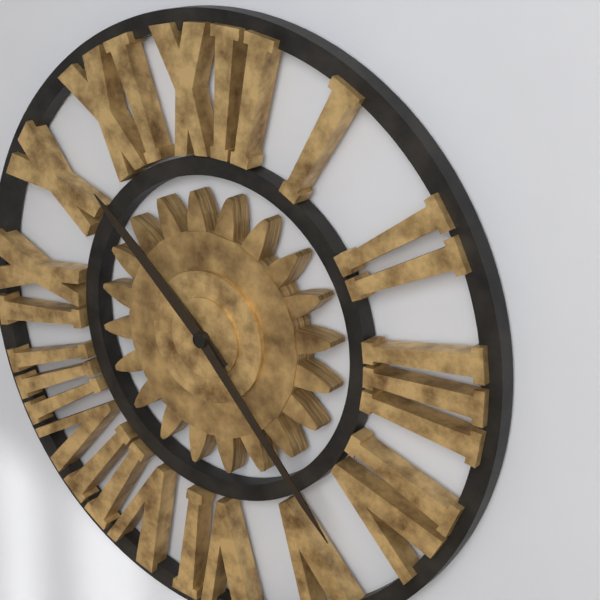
10:23
